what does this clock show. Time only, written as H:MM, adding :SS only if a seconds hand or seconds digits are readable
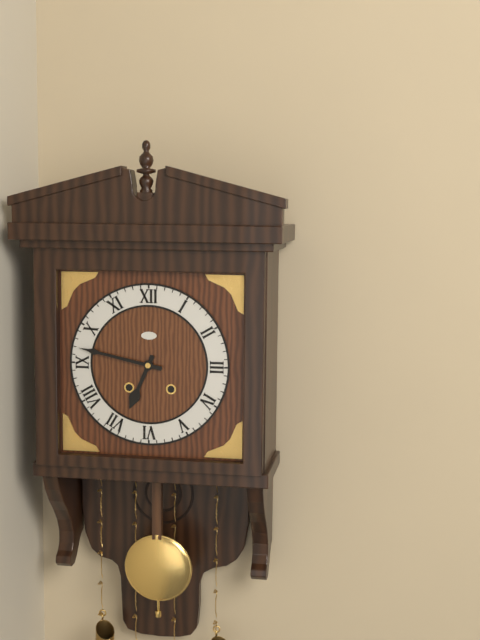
6:47
